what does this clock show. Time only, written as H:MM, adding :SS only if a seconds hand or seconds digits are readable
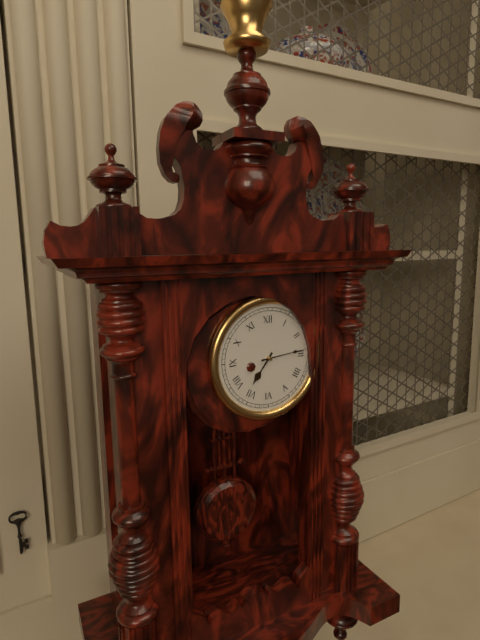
7:14
